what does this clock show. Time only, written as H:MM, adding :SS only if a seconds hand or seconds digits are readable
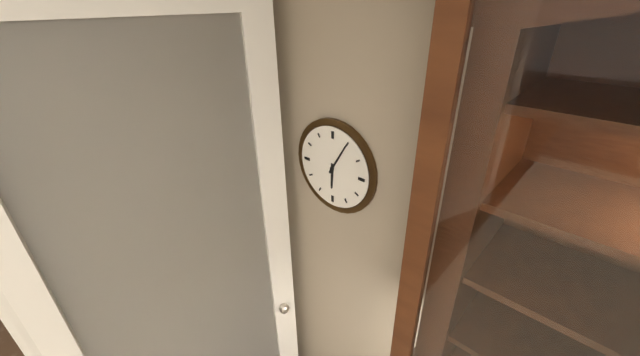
6:05
